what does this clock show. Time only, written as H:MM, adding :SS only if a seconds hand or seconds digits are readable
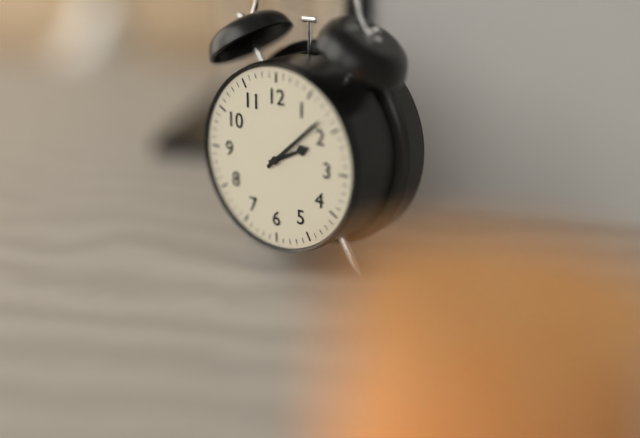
2:08
